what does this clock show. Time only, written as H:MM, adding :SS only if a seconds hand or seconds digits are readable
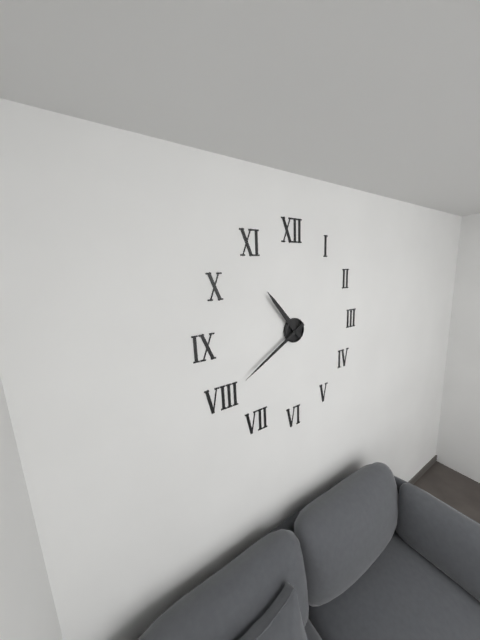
10:40
